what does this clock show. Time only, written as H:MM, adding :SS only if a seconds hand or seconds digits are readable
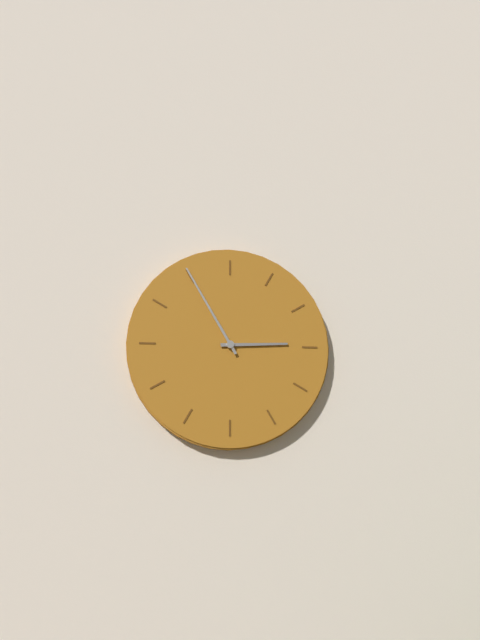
2:55
